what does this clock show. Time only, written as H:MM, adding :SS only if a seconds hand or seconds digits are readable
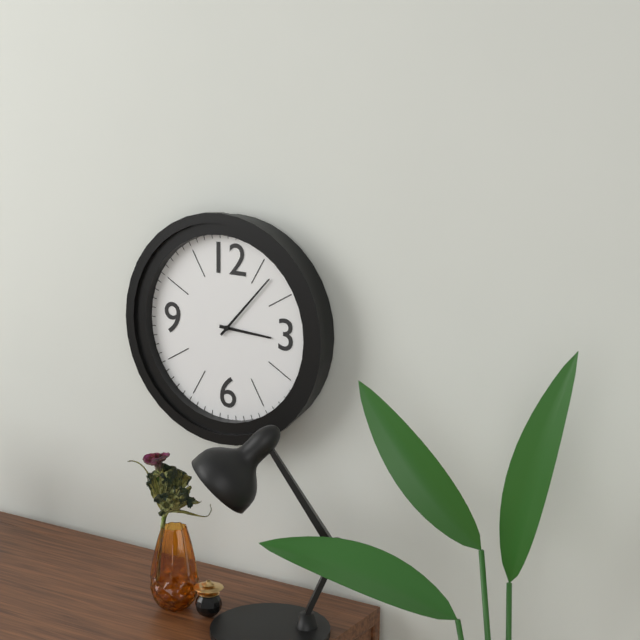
3:07
